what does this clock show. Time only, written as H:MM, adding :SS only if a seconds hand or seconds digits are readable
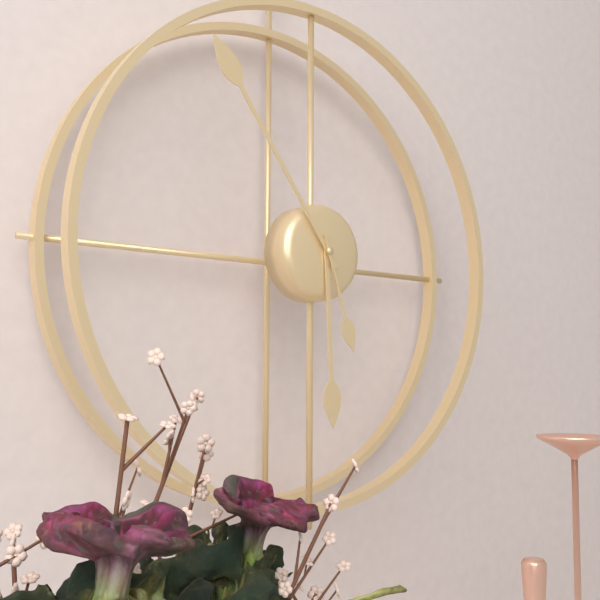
5:54:27
